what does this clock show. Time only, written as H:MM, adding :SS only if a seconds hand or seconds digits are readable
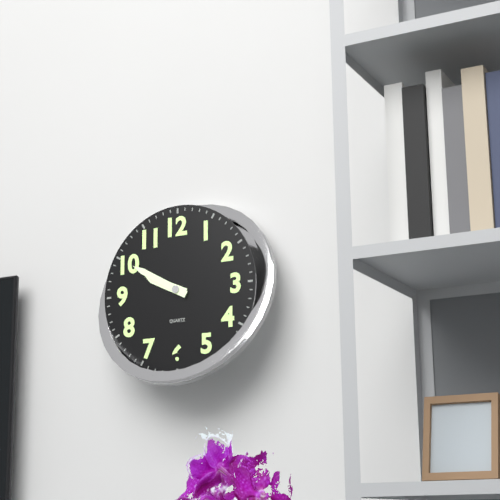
9:50
